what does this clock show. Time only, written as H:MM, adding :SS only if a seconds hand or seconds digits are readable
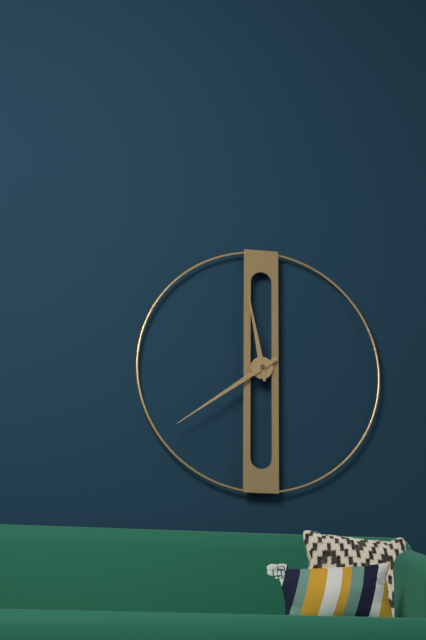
11:39
